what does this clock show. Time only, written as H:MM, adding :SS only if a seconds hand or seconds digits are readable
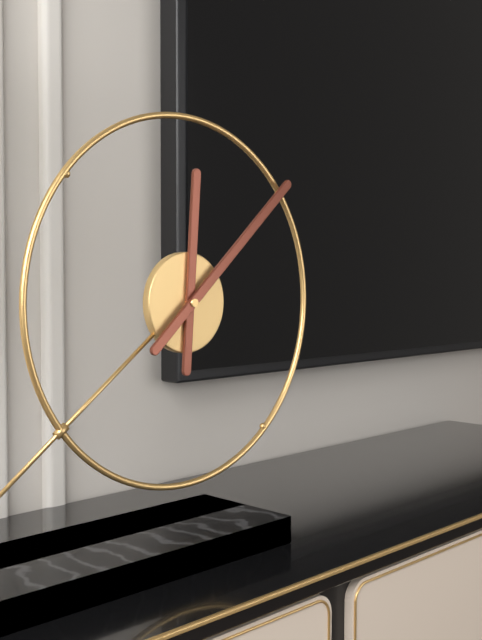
12:08
